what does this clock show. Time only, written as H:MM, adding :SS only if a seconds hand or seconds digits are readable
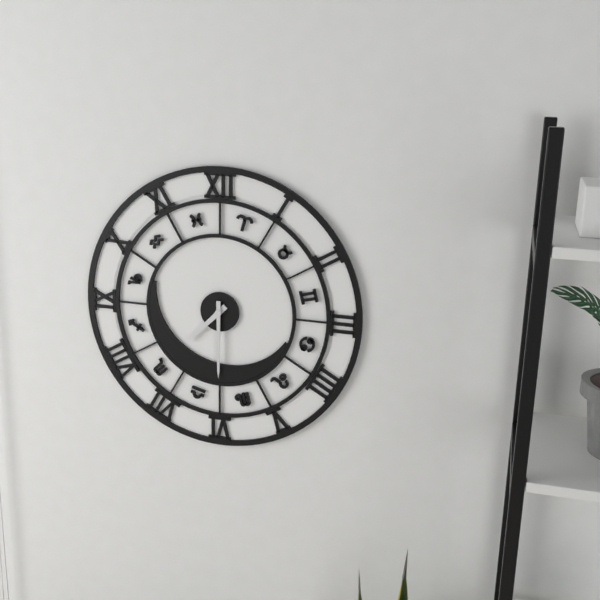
7:30
